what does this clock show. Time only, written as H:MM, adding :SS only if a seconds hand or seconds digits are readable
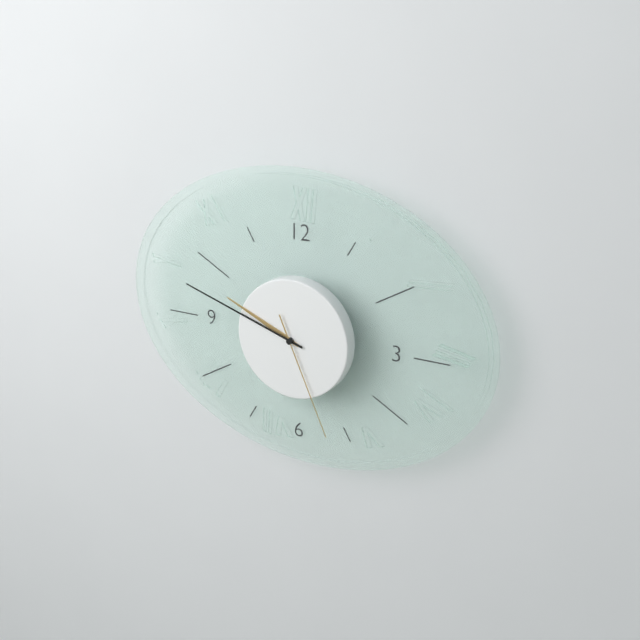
9:48:26
